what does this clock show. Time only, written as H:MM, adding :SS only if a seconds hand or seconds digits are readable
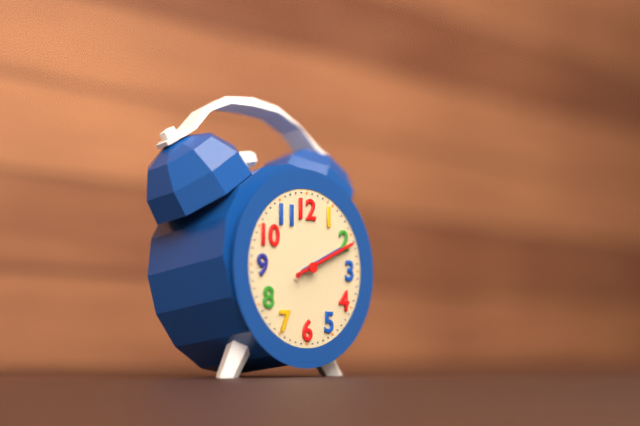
2:11:11
